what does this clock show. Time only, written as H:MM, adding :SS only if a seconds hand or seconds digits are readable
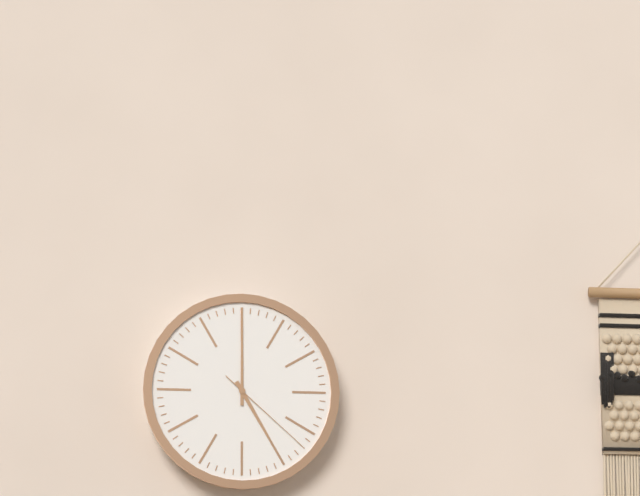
5:00:22
